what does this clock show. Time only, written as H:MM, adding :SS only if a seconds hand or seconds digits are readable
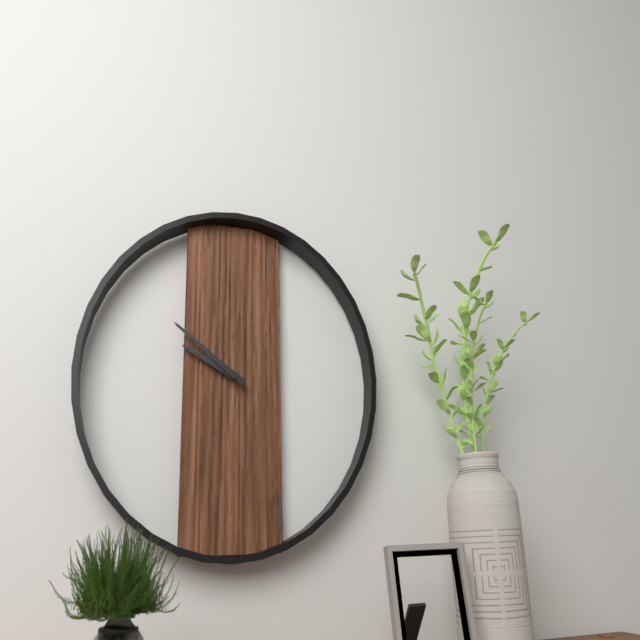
9:51
